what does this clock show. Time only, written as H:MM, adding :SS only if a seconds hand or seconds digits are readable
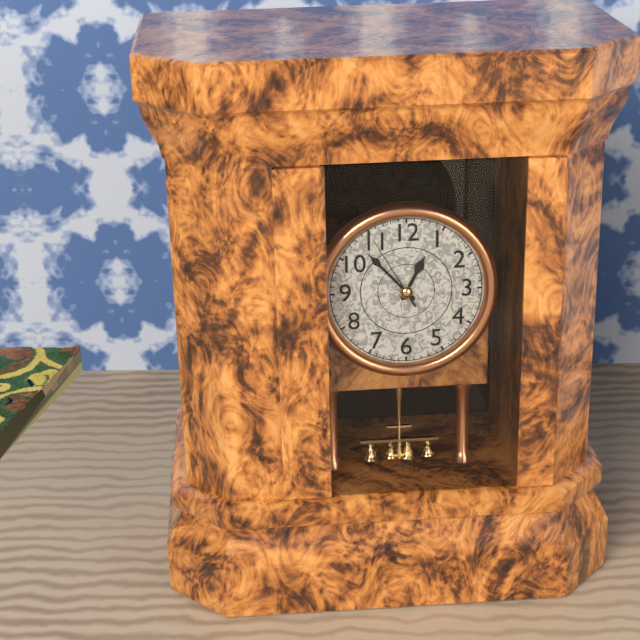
12:53:55
